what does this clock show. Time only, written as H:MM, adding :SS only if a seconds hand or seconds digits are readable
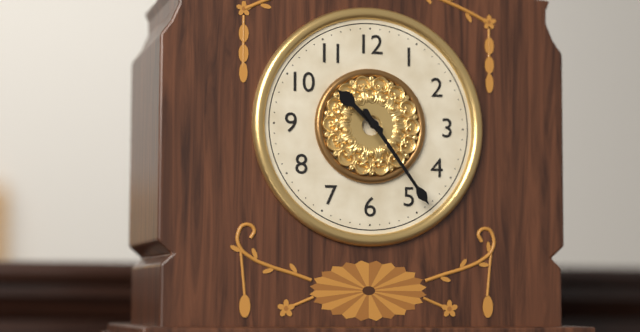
10:24
